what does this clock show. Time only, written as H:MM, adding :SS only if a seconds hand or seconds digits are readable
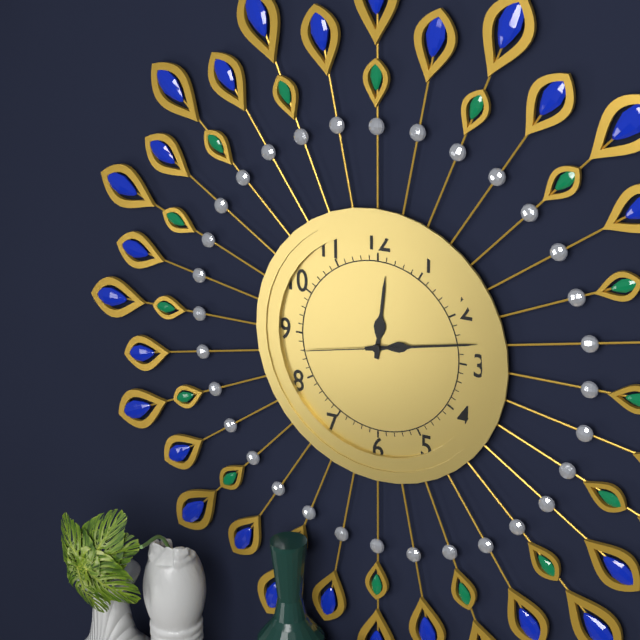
12:13:43
